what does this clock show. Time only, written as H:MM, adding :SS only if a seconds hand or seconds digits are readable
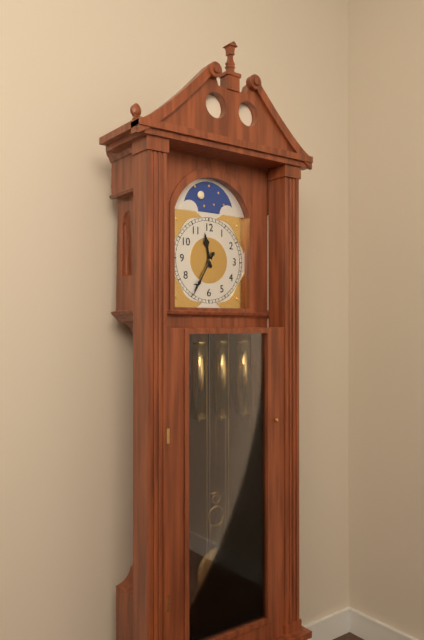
11:35
